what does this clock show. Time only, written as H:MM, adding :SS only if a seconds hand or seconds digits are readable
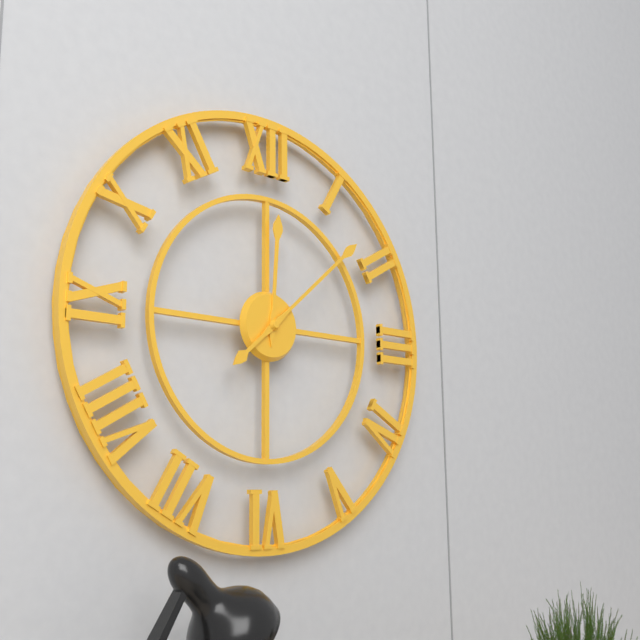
12:08
